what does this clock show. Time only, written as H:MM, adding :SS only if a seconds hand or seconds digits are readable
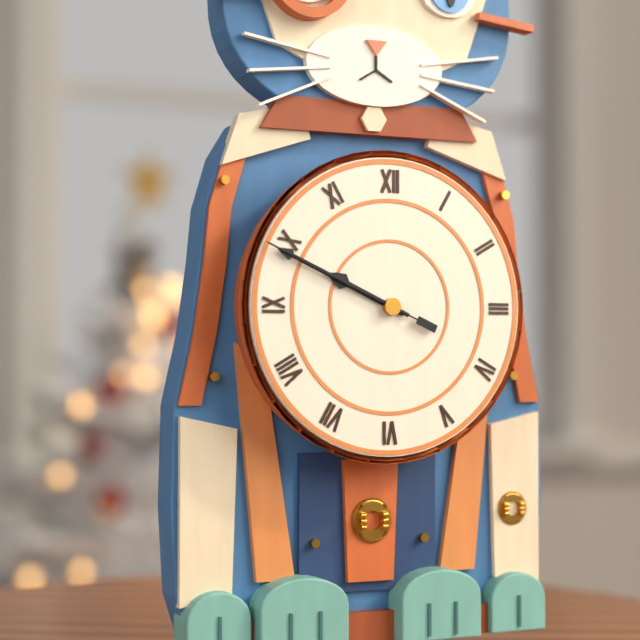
9:49:49
